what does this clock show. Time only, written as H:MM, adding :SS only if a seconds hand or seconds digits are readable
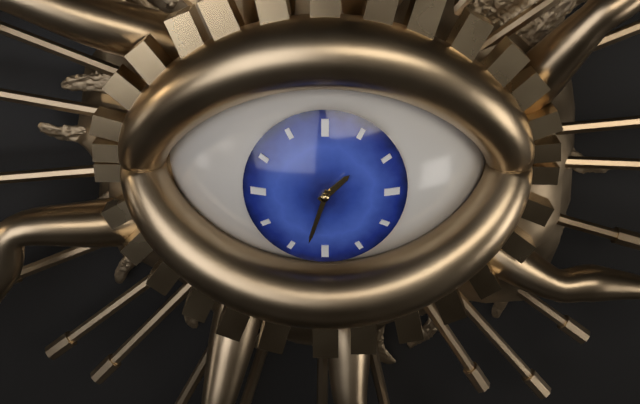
1:33
